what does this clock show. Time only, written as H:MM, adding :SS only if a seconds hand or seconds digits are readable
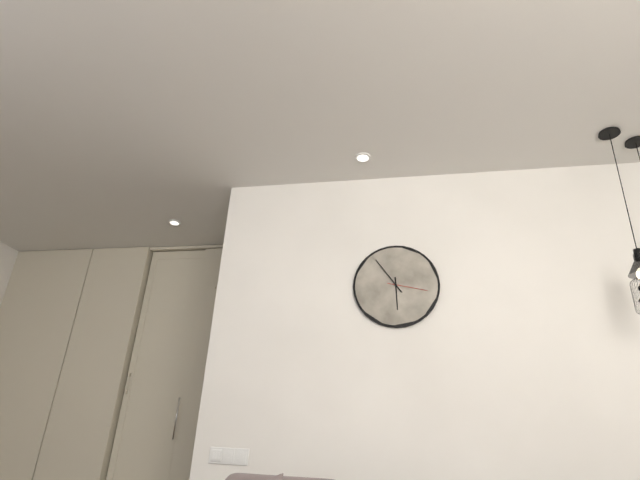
5:54
